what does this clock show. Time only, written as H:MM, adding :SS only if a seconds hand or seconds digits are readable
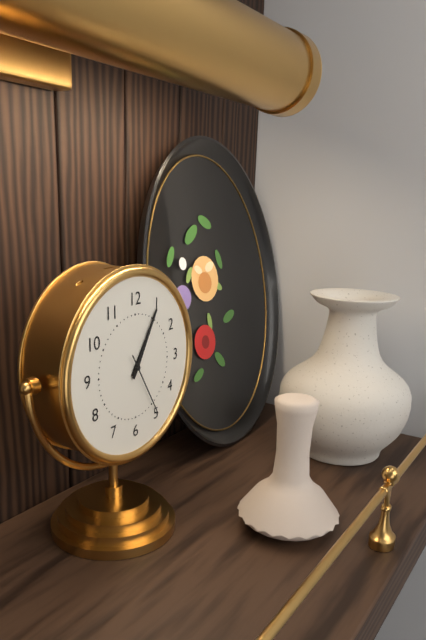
1:05:25
